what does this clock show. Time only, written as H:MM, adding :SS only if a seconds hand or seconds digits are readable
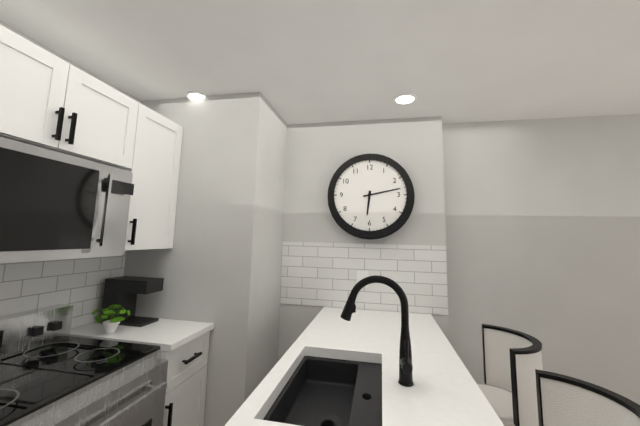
6:13
